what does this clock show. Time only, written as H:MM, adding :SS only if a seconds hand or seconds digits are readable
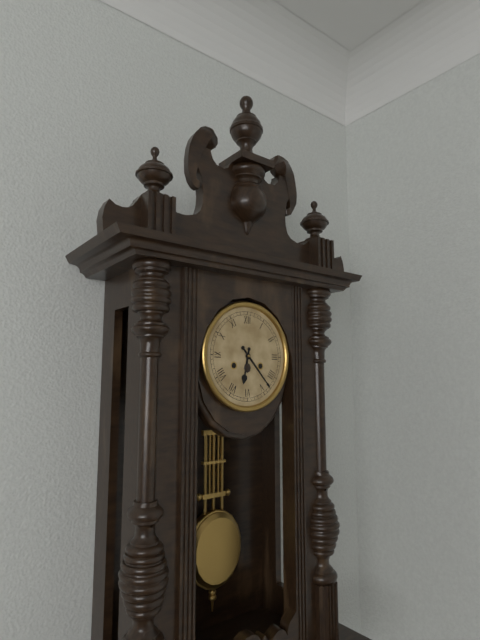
6:23
